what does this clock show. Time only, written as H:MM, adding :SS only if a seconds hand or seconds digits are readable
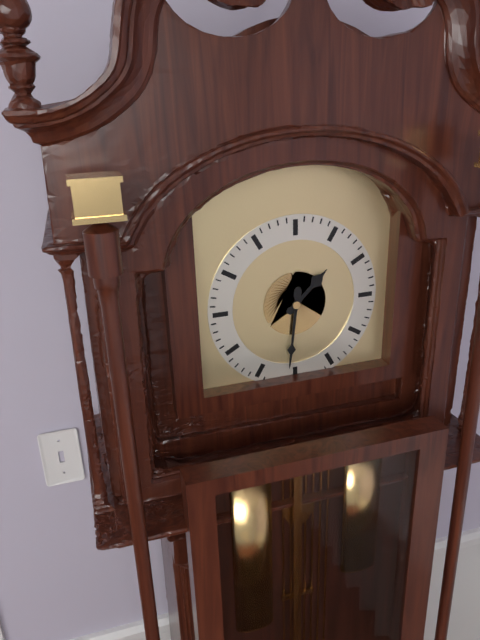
1:31
